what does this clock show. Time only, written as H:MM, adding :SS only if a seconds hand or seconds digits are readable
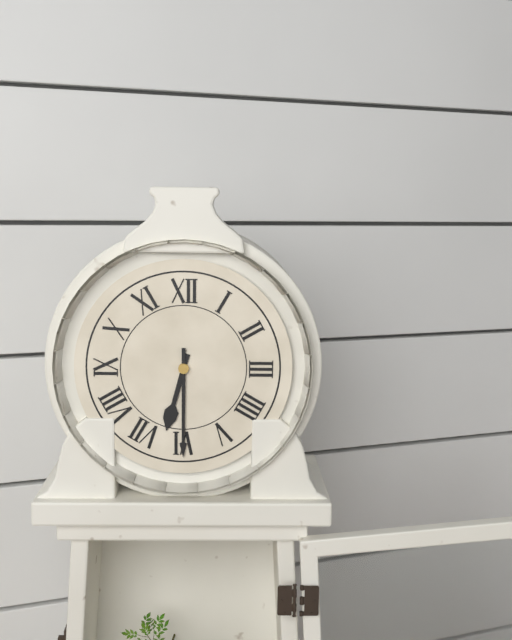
6:30
